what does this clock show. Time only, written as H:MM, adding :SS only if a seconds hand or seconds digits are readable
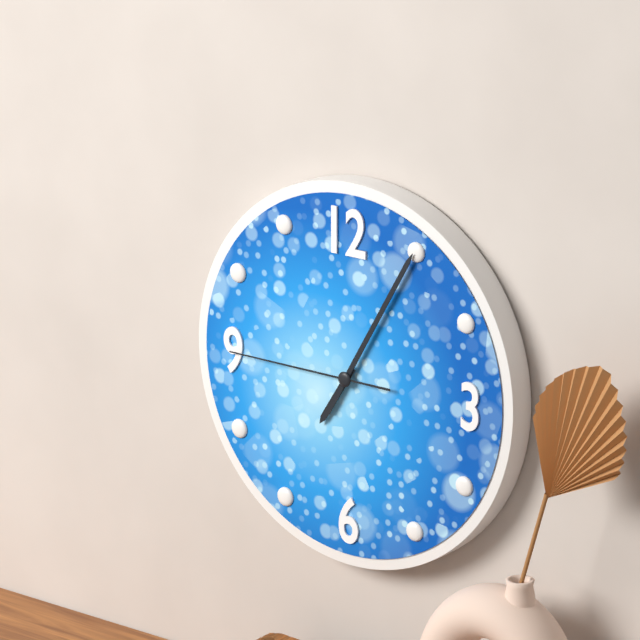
7:05:45
